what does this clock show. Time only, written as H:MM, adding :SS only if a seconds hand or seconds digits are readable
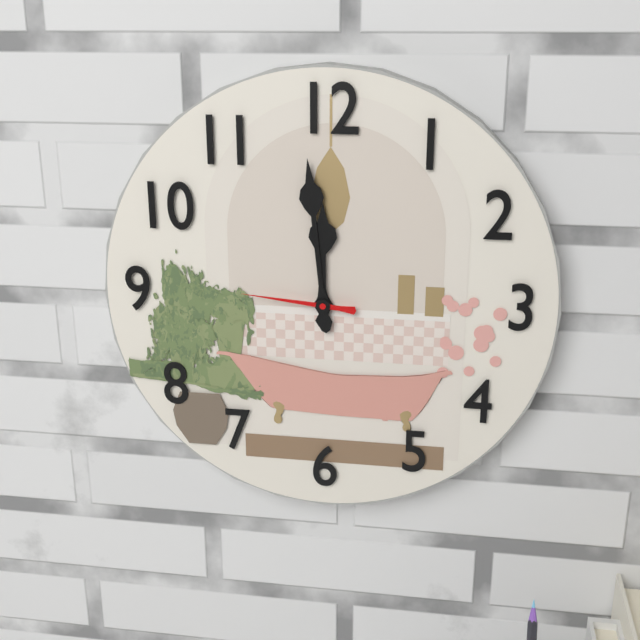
11:59:46
